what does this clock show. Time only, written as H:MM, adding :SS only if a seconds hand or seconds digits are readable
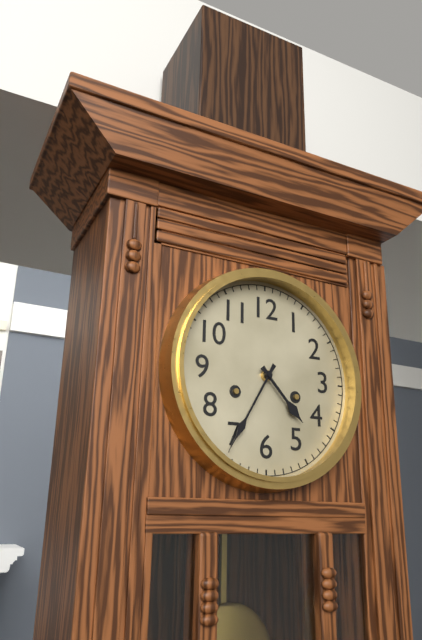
4:35
